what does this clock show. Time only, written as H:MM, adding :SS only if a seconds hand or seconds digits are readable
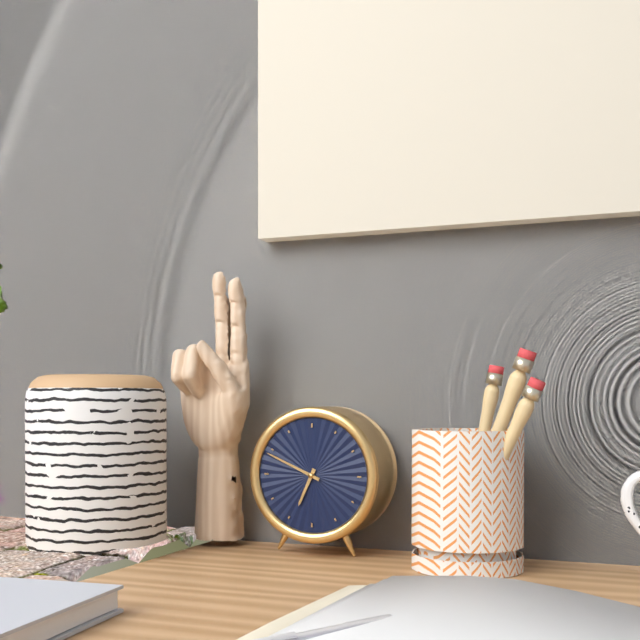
6:49
